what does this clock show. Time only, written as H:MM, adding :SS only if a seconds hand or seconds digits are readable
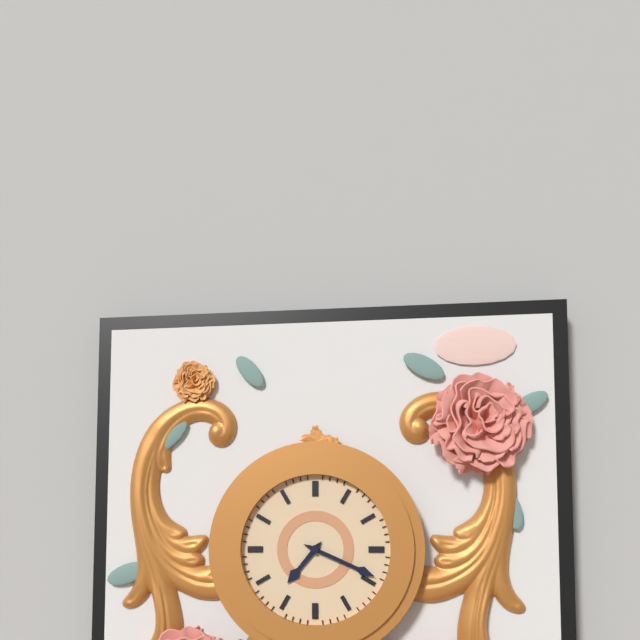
7:19
